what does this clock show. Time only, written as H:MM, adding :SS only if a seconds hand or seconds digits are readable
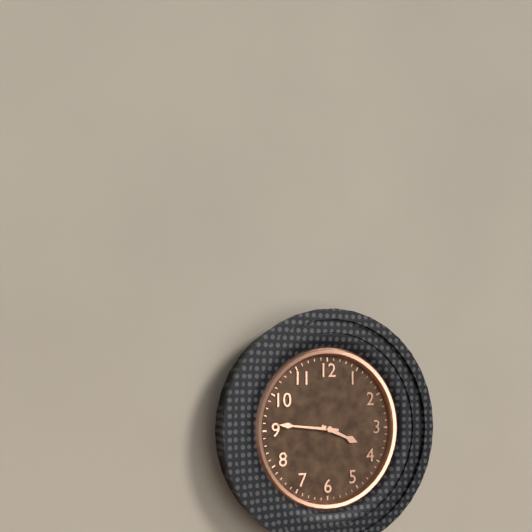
3:46
